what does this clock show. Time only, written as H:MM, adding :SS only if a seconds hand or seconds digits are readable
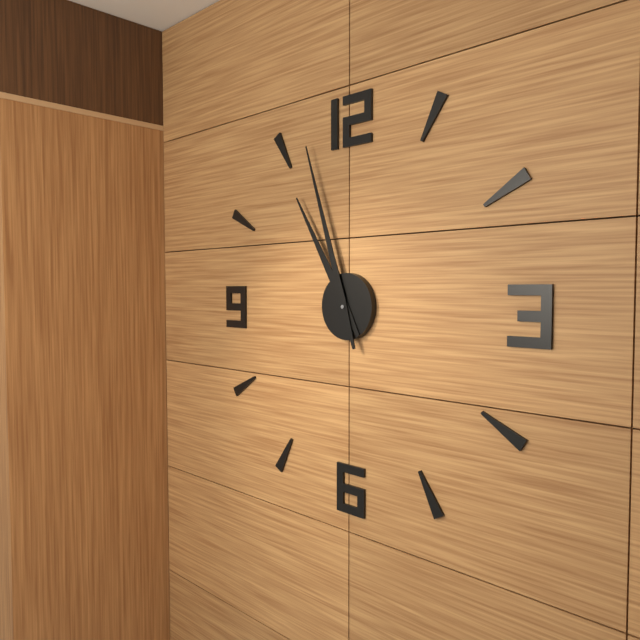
10:57
